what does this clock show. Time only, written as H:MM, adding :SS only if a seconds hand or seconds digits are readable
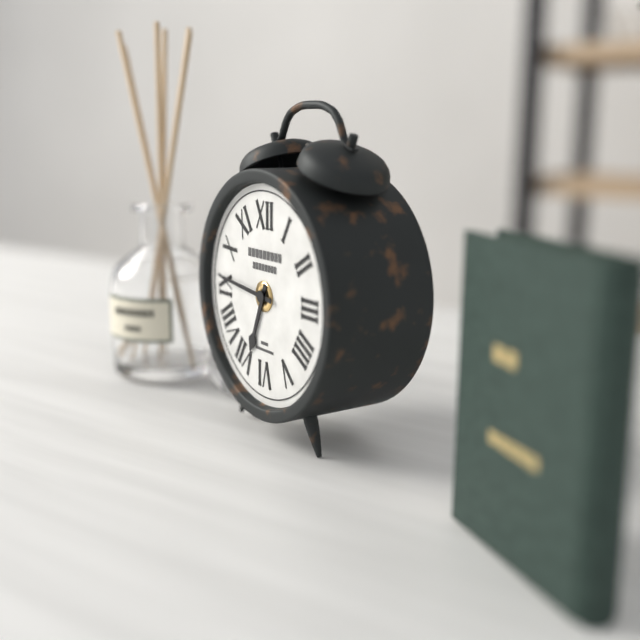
6:46
